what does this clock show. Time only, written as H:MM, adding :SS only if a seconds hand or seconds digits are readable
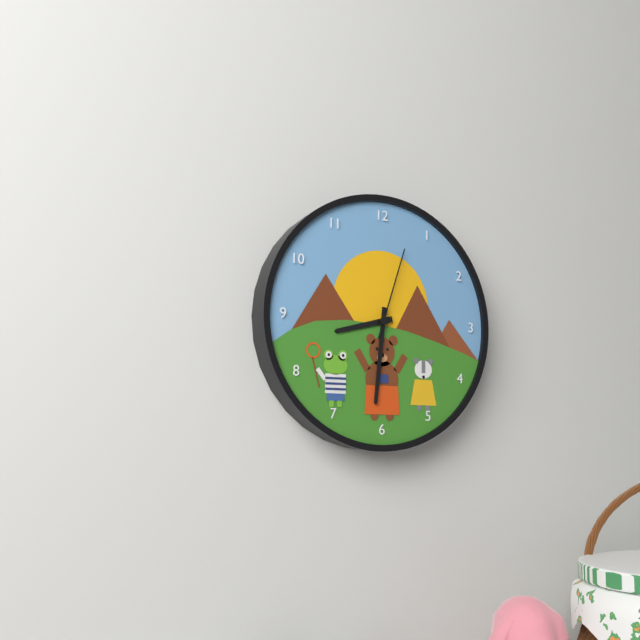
8:31:03
